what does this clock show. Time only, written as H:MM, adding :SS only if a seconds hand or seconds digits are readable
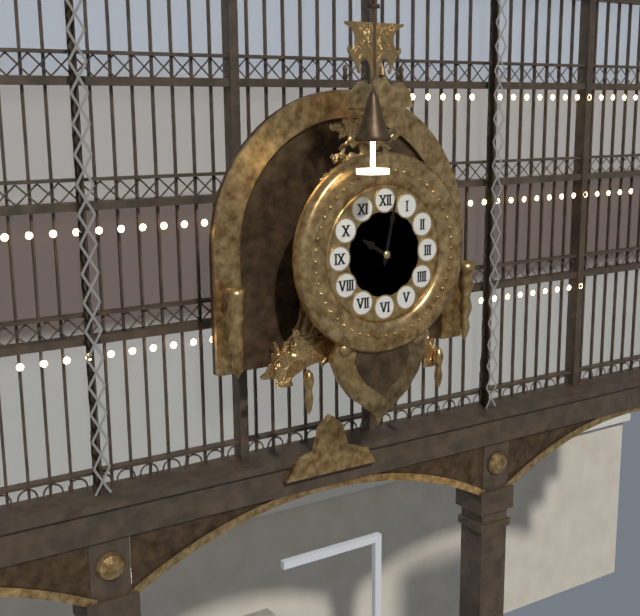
10:02
